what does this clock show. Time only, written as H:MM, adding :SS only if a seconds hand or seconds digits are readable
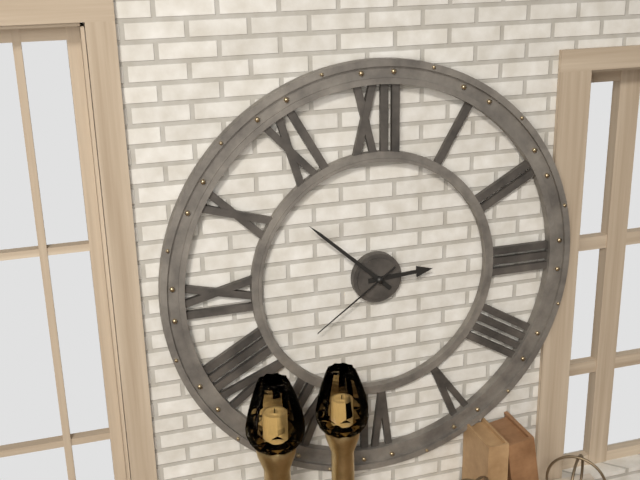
2:52:39
